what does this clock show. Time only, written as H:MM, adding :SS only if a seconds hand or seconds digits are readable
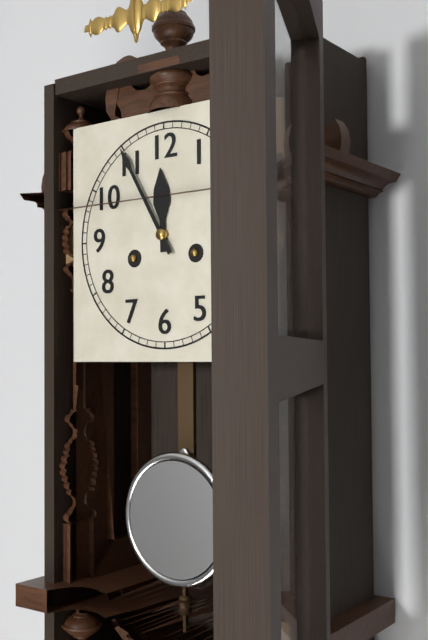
11:55
